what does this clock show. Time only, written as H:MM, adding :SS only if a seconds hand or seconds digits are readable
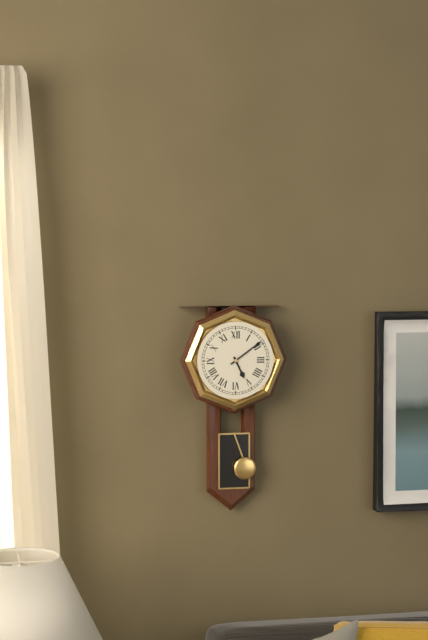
5:09
